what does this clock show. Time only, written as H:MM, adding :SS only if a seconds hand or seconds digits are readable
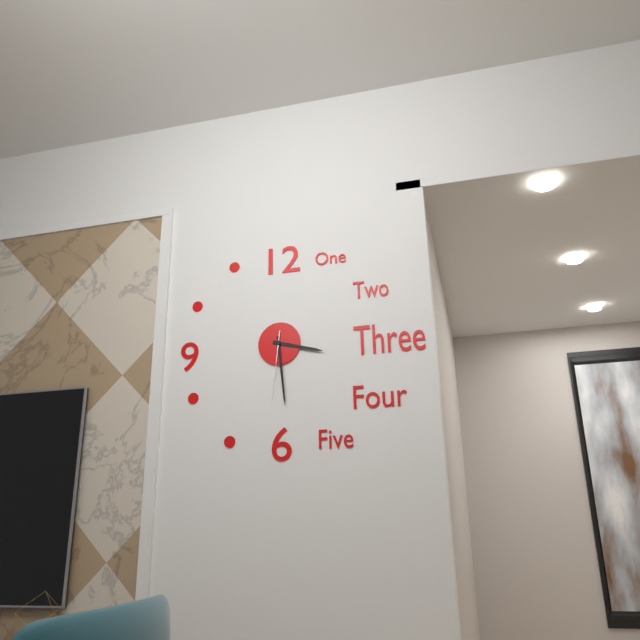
3:29:31
